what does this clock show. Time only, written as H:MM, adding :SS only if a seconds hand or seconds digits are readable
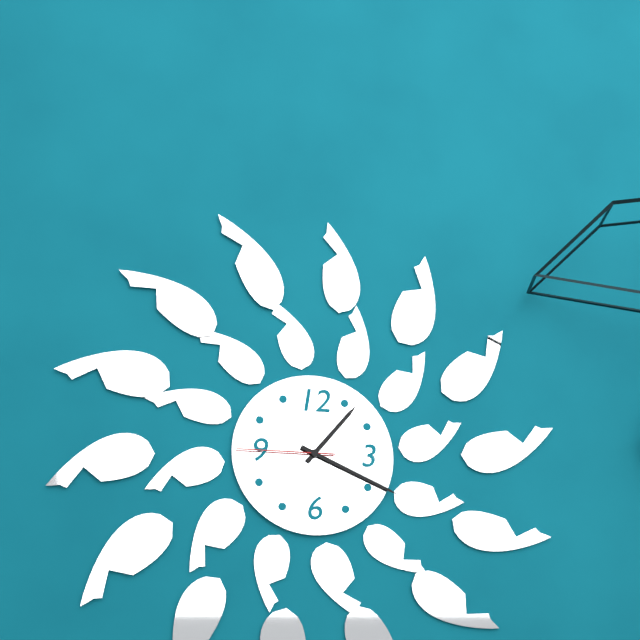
1:19:45
